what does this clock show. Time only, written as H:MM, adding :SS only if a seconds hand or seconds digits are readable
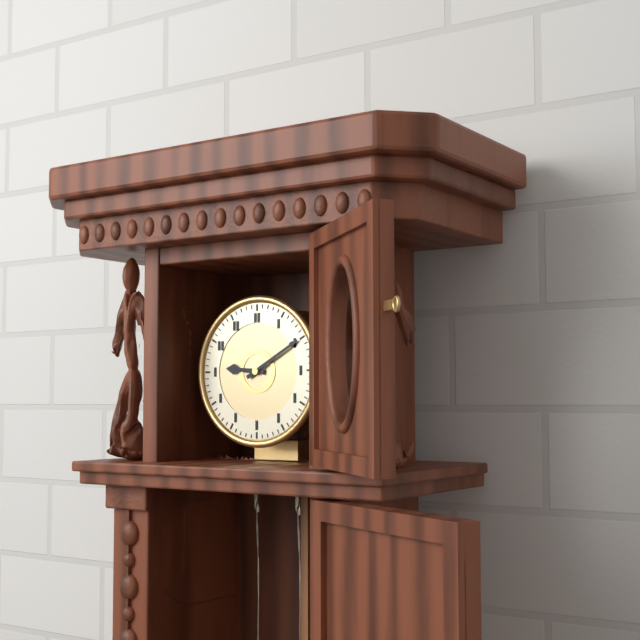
9:10
